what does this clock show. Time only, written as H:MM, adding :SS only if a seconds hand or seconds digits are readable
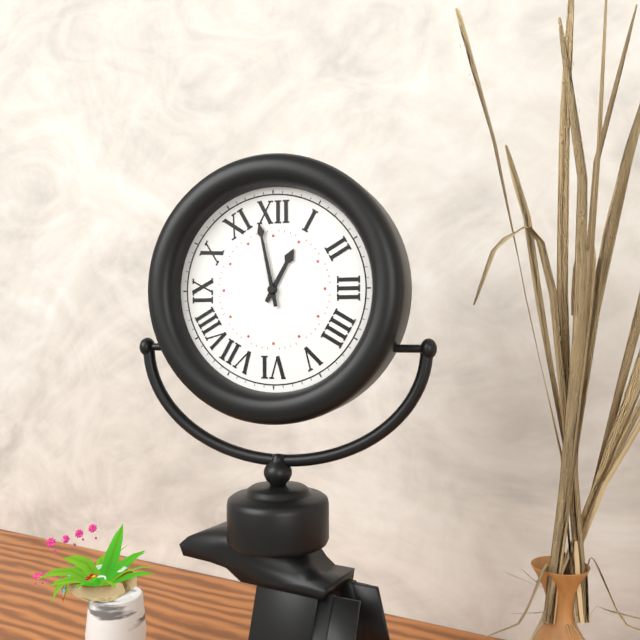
12:58
